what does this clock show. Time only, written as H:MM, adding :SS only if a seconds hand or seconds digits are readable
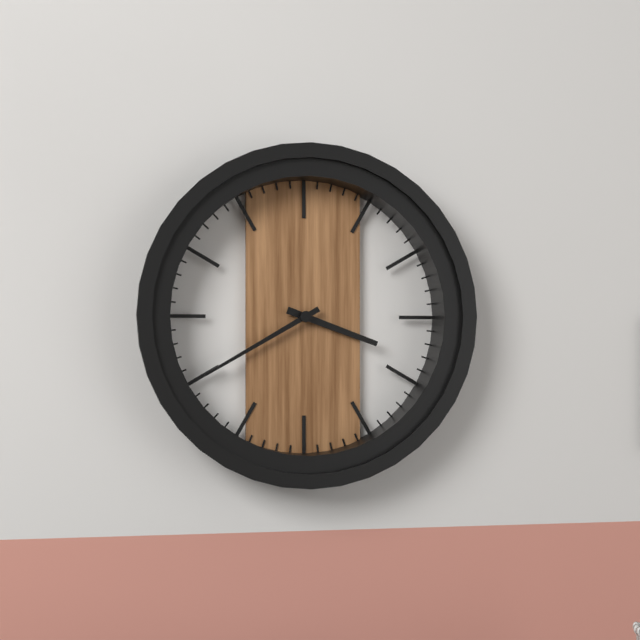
3:40
